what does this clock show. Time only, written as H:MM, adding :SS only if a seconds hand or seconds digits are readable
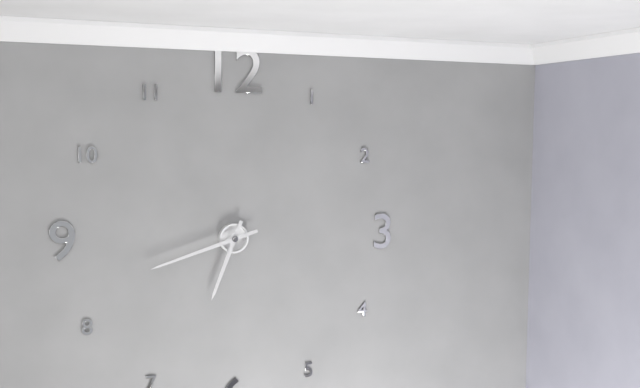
6:42
